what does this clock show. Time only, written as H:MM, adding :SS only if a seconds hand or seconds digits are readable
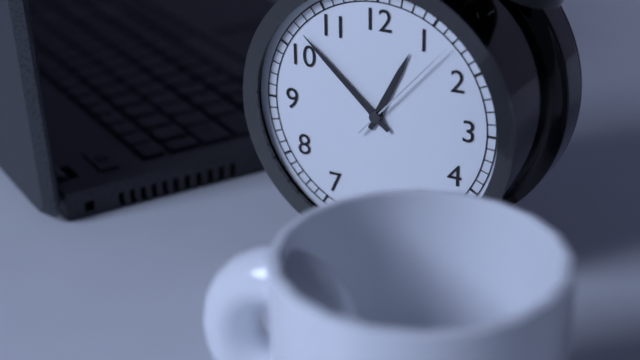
12:52:07
